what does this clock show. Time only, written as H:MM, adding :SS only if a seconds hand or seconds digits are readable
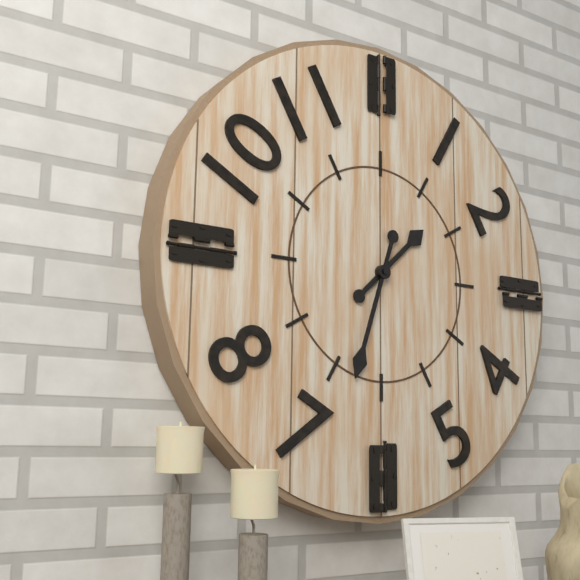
1:33
